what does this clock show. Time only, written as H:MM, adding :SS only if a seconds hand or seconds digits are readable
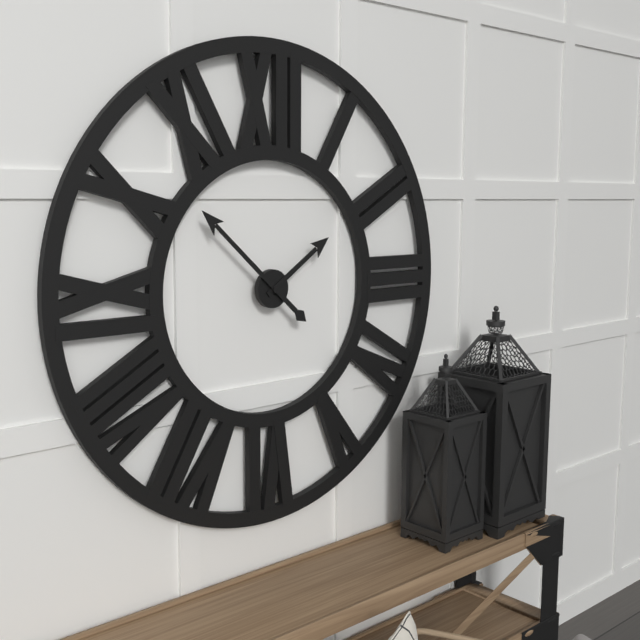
1:52
